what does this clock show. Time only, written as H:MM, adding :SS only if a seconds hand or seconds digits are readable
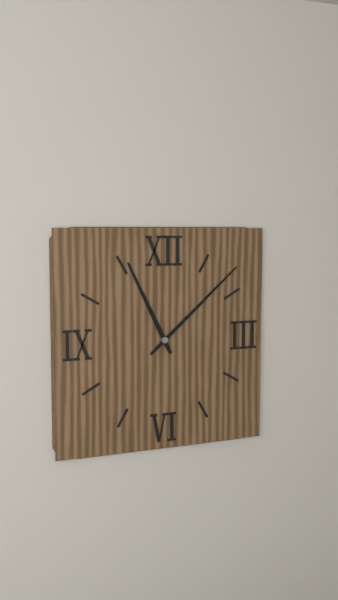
11:08
